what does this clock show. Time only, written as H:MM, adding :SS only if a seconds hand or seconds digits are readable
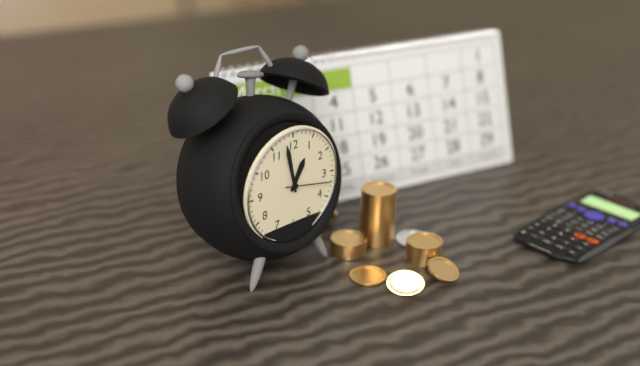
12:58
